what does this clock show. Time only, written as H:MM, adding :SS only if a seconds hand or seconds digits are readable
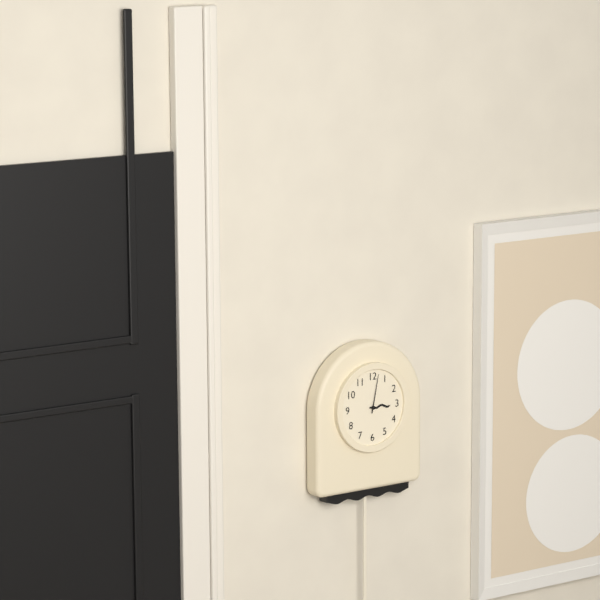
3:02
